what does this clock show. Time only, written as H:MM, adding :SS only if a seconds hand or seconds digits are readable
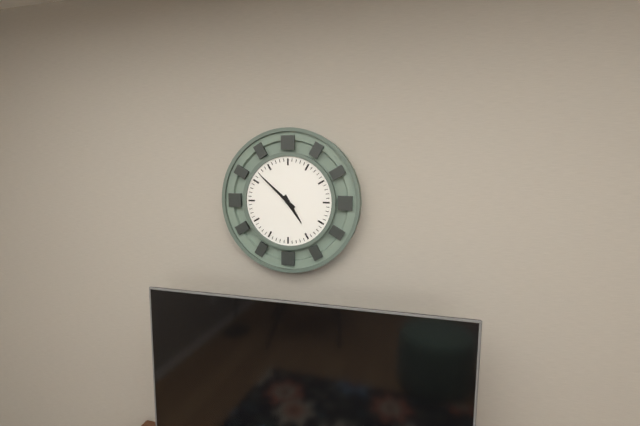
4:52
